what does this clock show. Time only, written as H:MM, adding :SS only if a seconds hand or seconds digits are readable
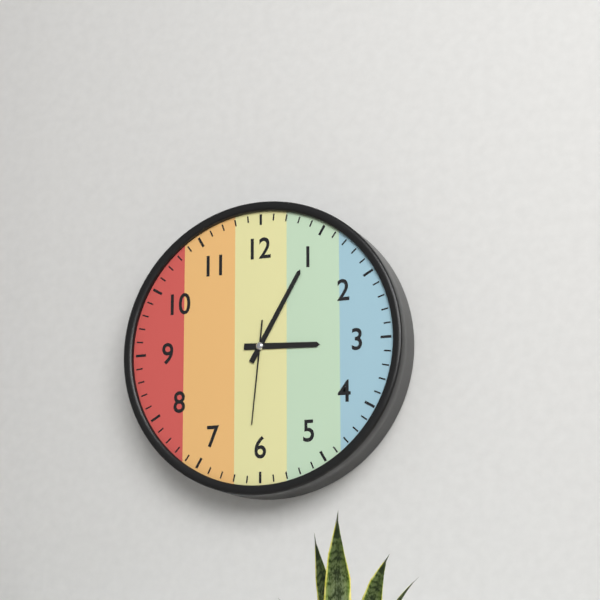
3:05:31
